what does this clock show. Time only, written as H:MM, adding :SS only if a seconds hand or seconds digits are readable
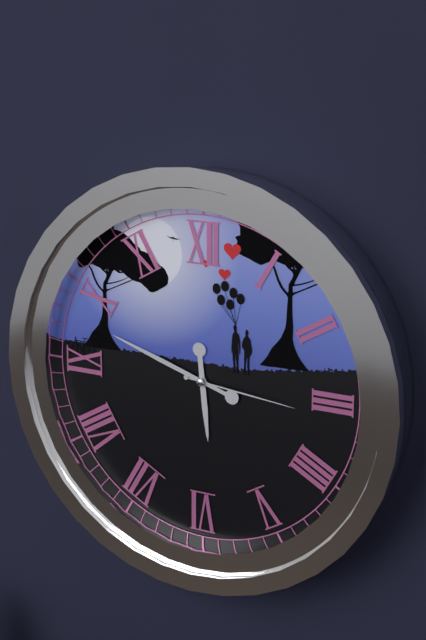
5:48:16
